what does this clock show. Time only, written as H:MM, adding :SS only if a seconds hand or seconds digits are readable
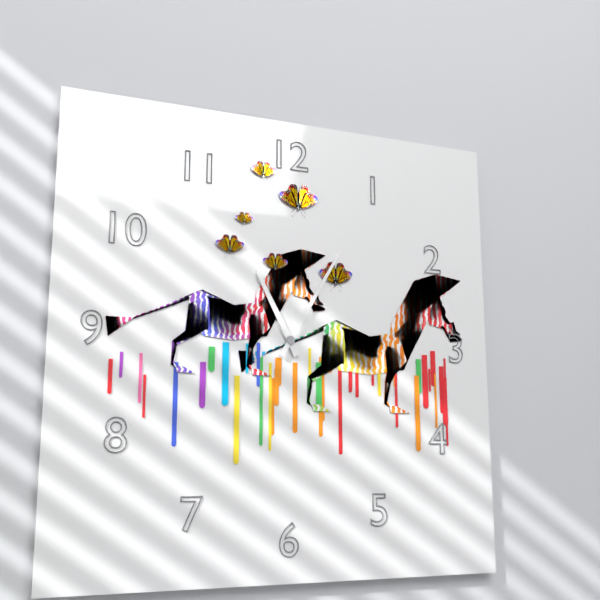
11:05
